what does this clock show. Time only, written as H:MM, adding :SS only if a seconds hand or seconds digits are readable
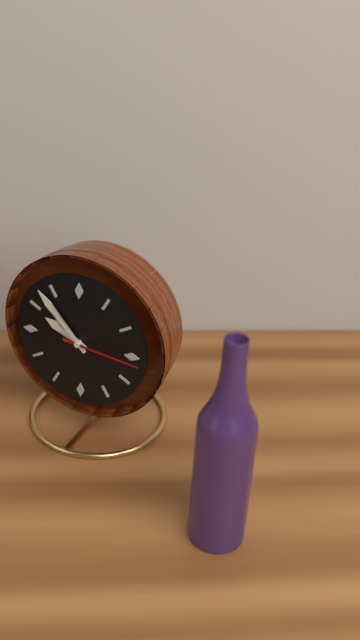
9:53:16
